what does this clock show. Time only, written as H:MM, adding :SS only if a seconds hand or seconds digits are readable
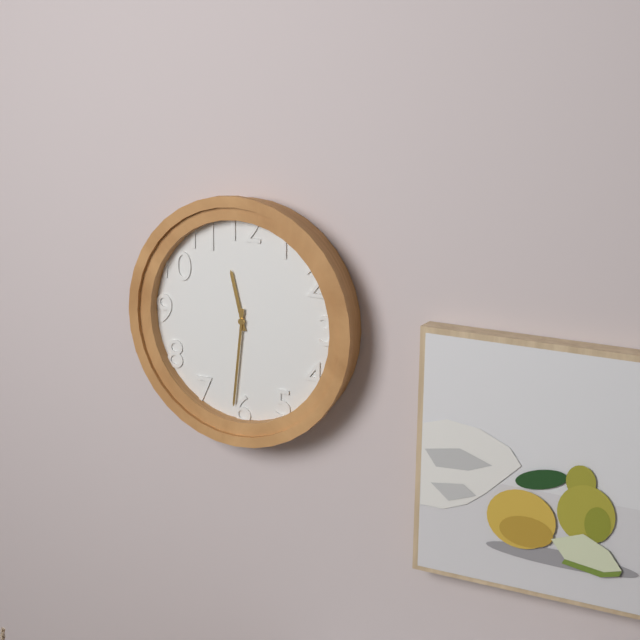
11:31
